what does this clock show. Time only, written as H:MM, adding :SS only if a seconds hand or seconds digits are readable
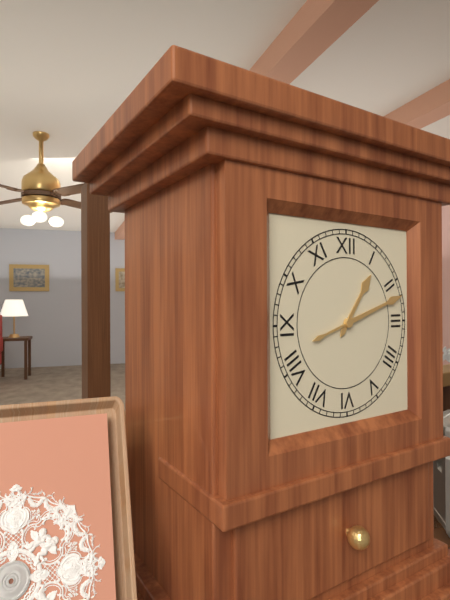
1:12
